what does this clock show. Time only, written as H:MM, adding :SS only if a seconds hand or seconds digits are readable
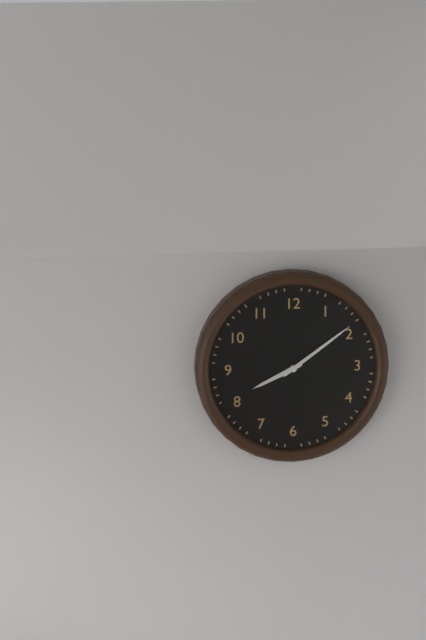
8:09
